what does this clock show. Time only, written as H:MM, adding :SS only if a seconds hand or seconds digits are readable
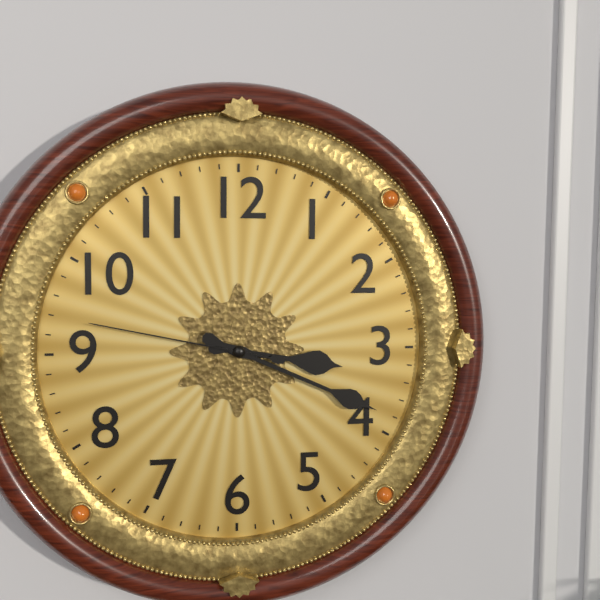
3:19:47
